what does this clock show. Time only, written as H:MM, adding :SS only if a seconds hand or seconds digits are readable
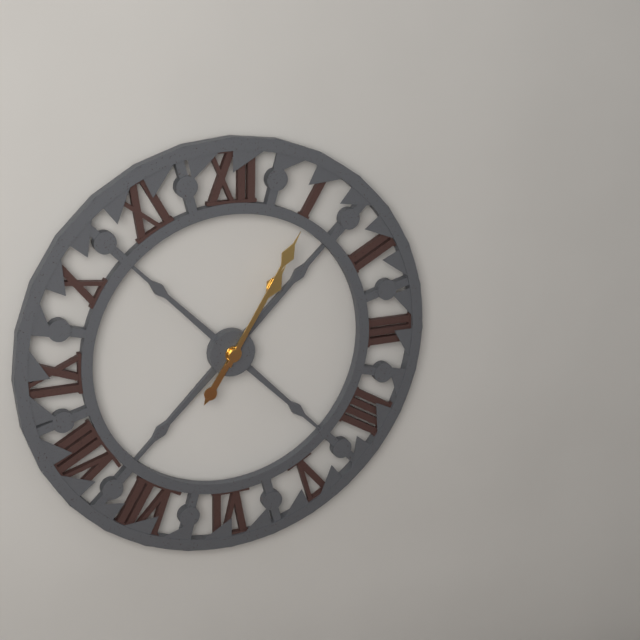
1:05
